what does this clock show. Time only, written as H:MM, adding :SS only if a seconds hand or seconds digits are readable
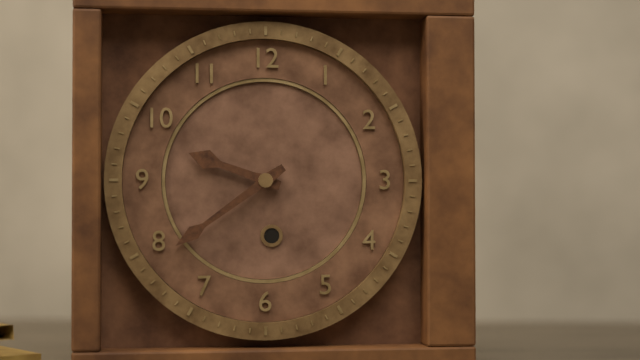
9:39
